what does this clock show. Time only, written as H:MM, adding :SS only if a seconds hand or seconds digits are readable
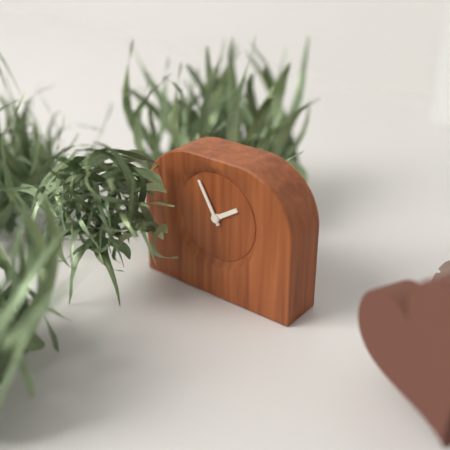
1:55
